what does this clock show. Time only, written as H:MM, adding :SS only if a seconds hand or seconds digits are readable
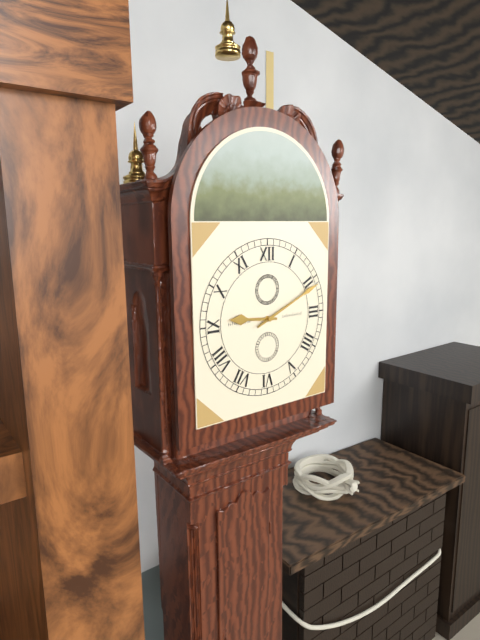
9:11
